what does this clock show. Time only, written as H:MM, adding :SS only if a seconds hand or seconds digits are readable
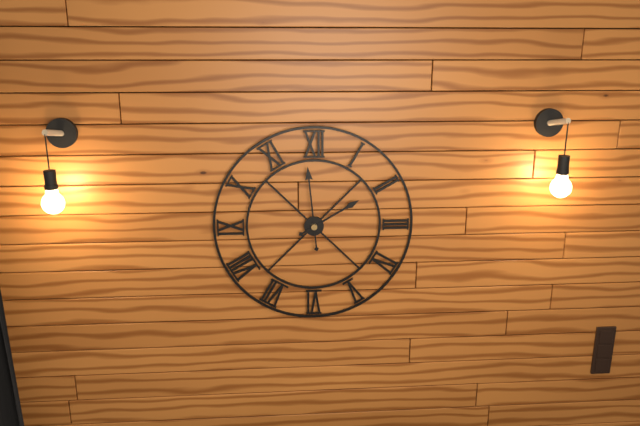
1:59
